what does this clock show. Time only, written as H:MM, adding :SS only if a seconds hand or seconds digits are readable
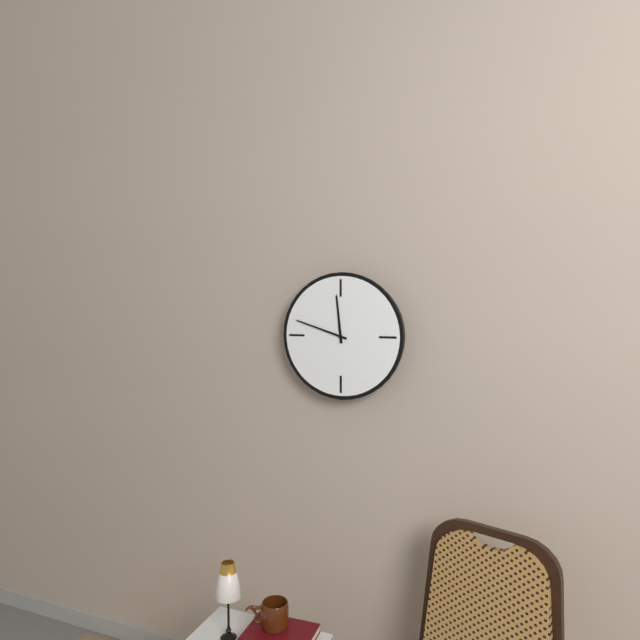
11:48
